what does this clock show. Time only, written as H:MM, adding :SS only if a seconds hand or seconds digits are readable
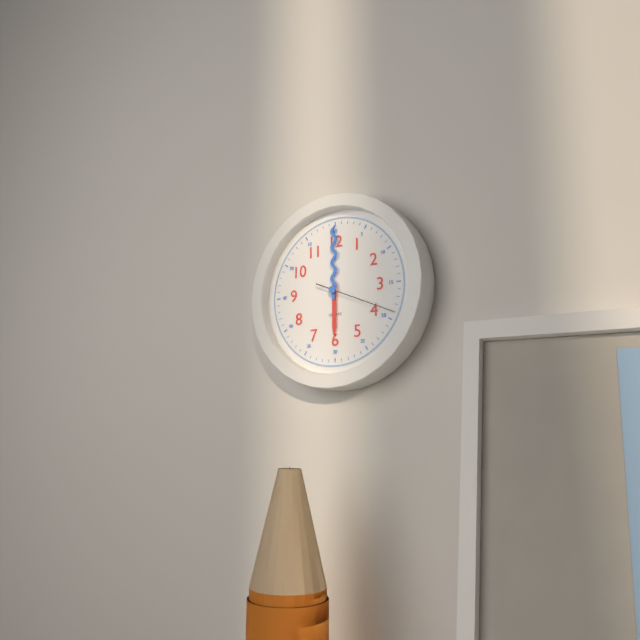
6:00:19
